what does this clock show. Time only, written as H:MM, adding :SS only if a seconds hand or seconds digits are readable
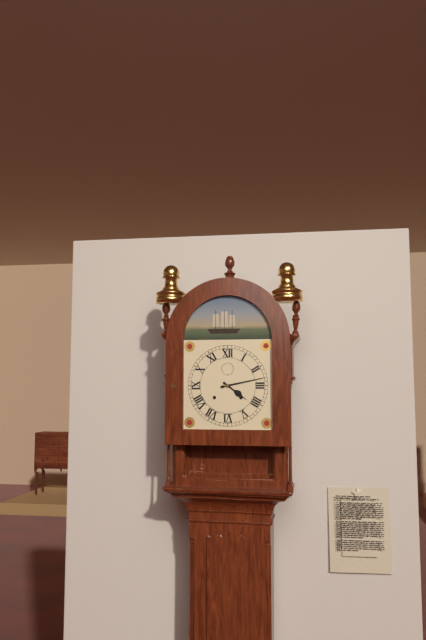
4:13
